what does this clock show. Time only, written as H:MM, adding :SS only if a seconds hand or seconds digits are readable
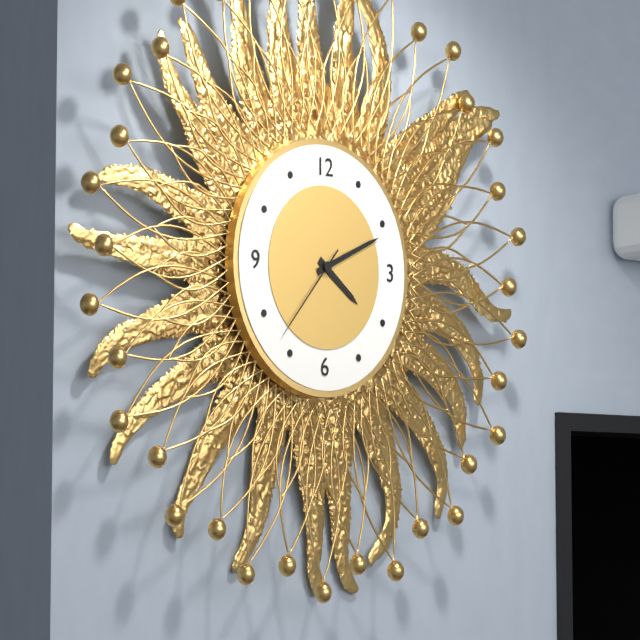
4:11:37
